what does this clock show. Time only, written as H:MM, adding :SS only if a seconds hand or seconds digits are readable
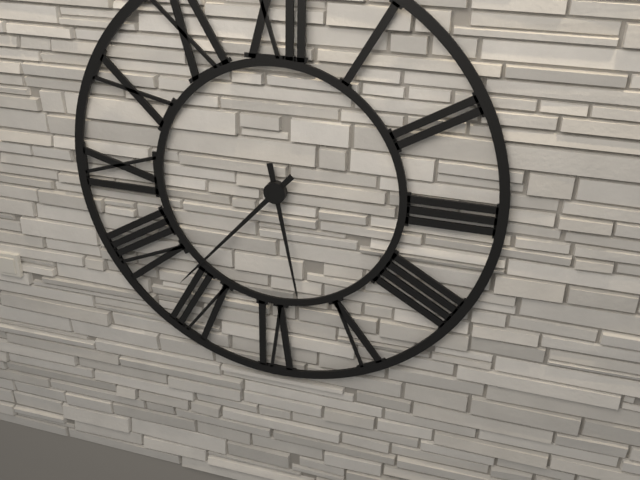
5:37
